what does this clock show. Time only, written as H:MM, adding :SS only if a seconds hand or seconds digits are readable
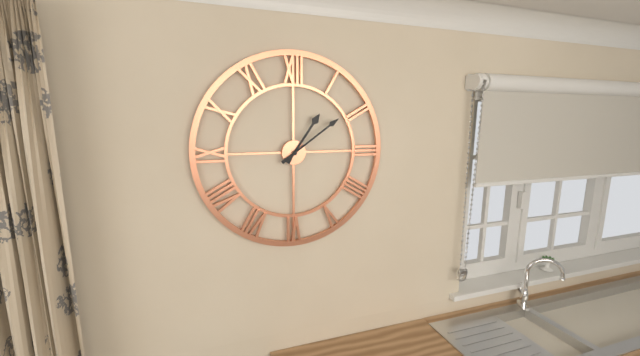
1:09
